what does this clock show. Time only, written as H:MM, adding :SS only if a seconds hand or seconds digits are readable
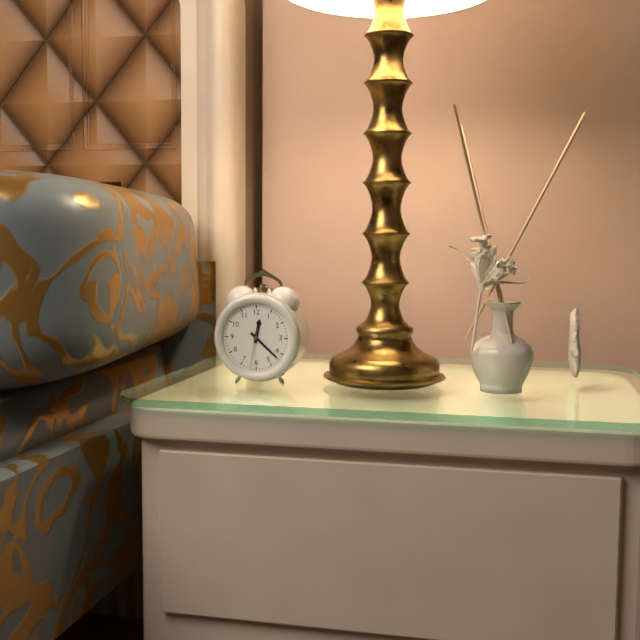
12:22
